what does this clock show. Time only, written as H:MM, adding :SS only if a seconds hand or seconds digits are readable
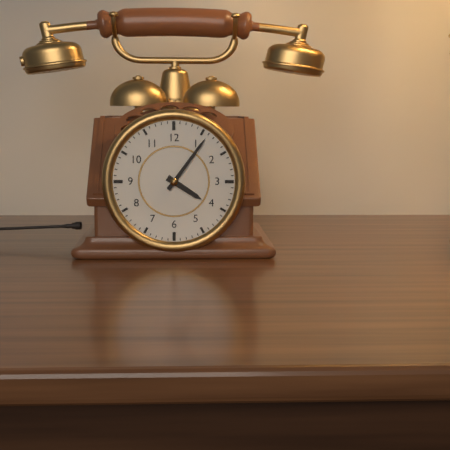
4:06
